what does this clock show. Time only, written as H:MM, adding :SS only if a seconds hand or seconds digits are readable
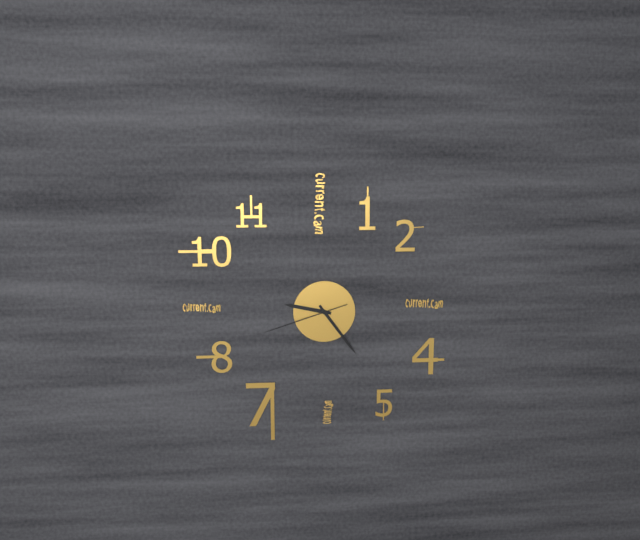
9:24:42
